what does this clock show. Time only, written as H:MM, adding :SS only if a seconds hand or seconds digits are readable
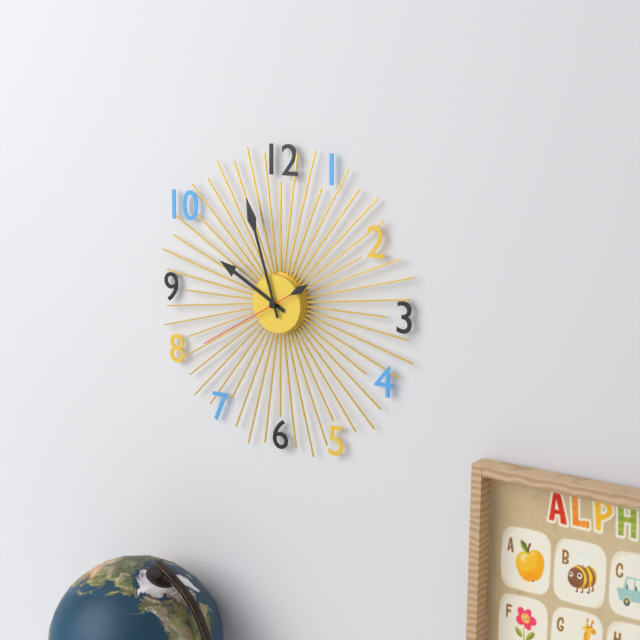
9:57:40
